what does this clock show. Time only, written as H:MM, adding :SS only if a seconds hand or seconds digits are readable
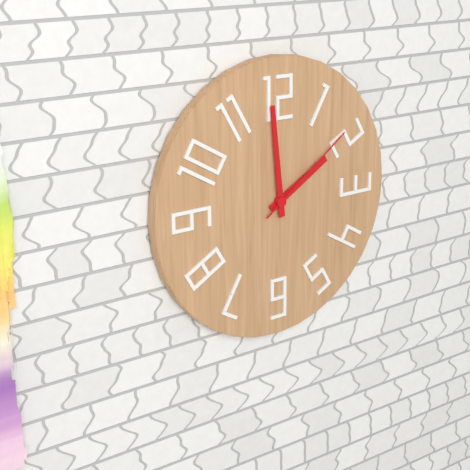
1:59:09
